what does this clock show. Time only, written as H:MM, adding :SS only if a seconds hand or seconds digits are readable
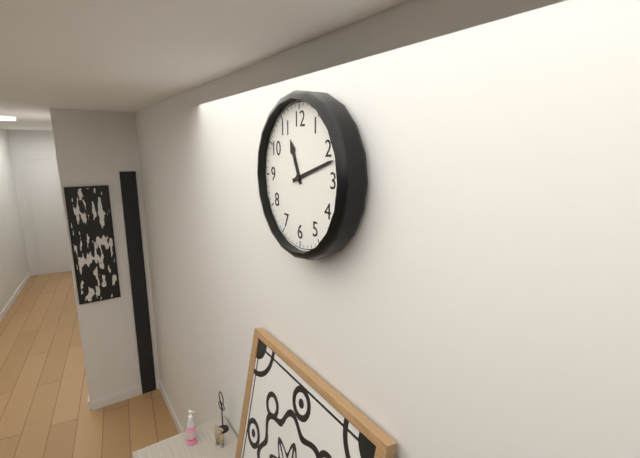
11:12
